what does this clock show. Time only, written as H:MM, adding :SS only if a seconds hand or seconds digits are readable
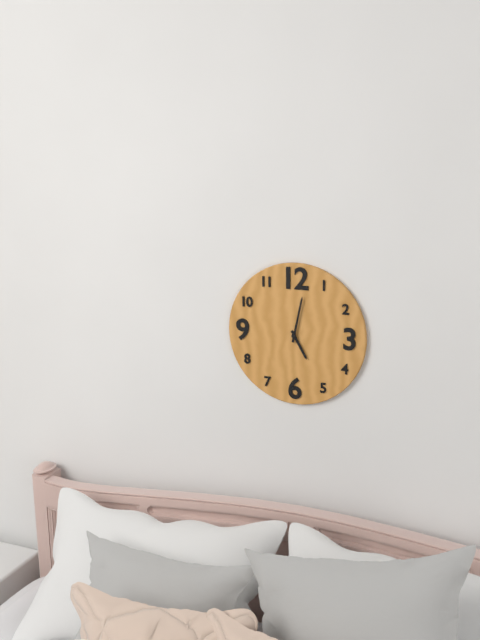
5:02
